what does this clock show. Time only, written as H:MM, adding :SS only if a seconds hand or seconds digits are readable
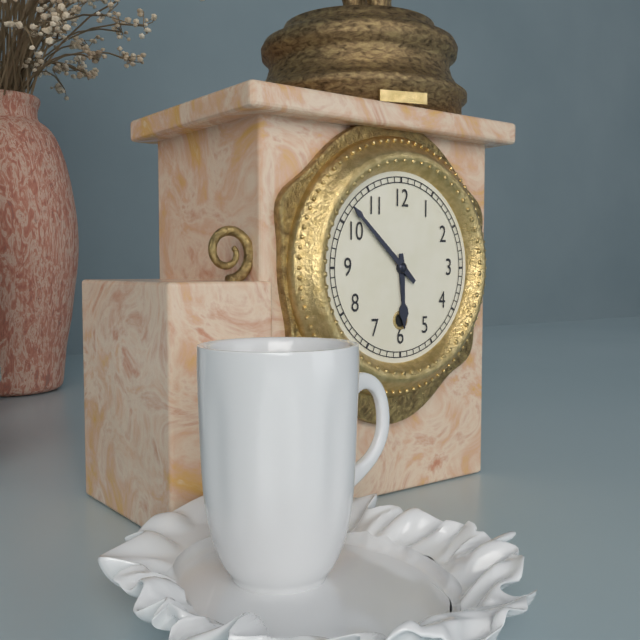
5:52
